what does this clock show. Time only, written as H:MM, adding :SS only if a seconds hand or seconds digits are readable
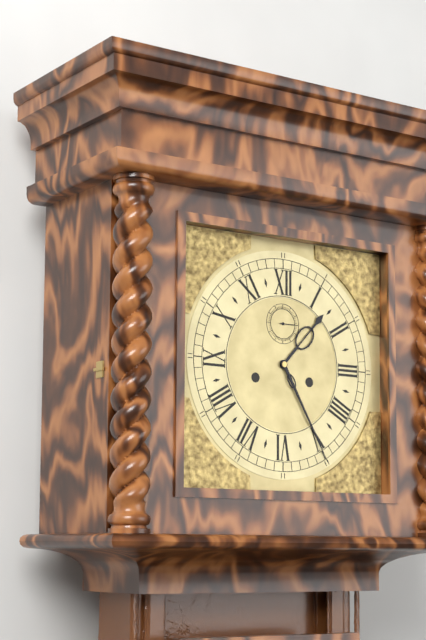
1:25
